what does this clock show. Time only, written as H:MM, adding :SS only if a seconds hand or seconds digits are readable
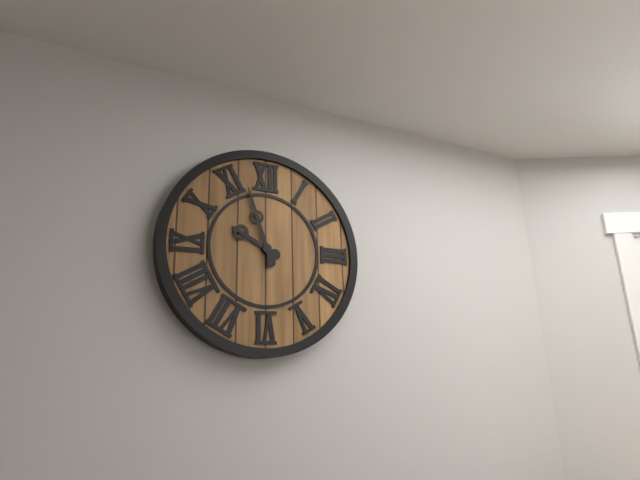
9:57
